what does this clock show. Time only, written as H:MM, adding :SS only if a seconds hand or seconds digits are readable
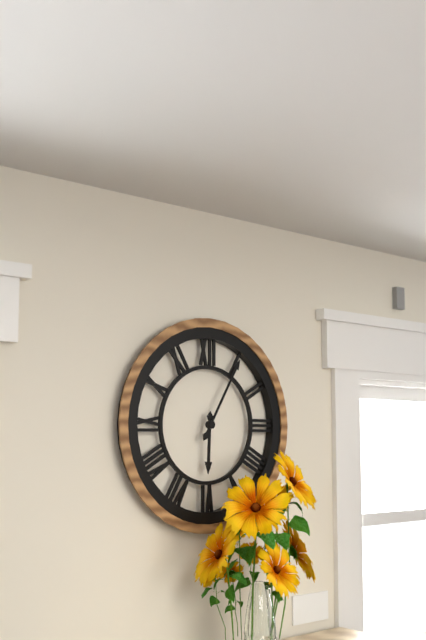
6:05
